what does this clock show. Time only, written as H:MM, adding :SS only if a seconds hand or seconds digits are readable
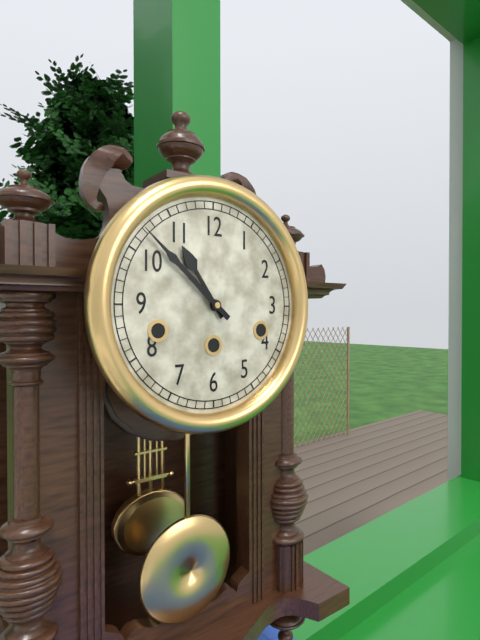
10:52
